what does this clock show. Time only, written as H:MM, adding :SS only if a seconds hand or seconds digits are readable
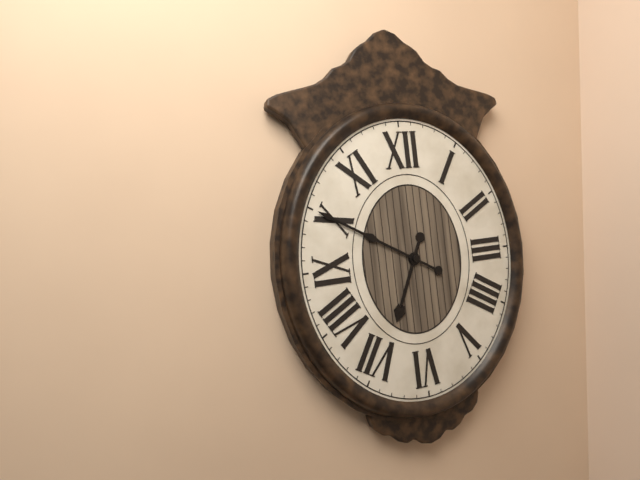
6:50
